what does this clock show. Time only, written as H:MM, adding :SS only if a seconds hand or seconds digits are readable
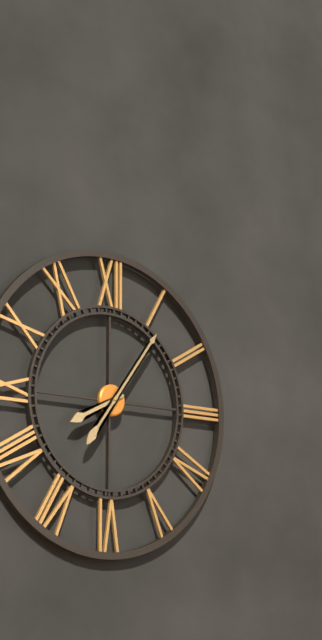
8:06
